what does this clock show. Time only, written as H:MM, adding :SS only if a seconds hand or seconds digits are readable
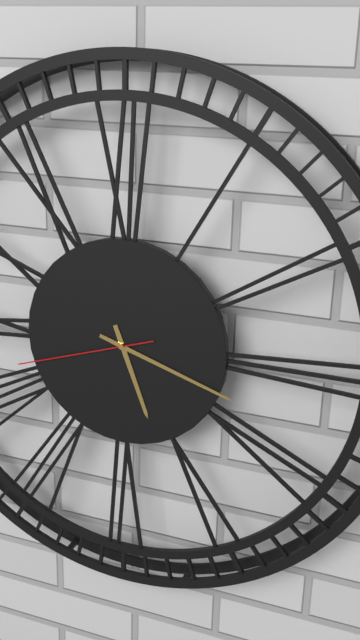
5:18:42
